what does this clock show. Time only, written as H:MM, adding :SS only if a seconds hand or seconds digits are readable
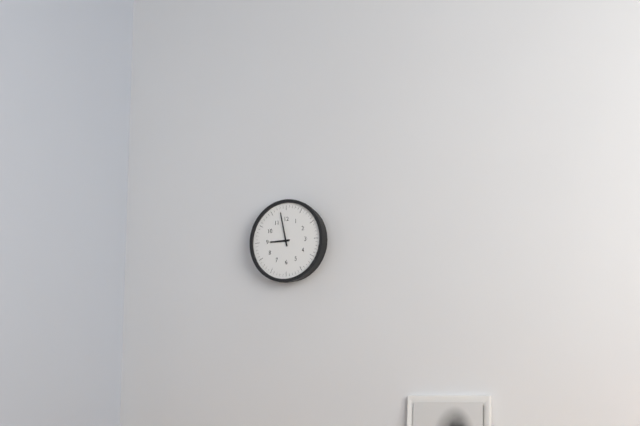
8:58
